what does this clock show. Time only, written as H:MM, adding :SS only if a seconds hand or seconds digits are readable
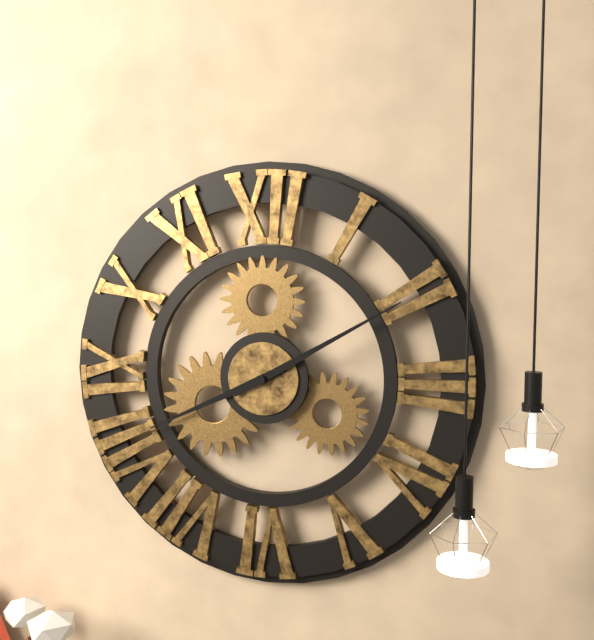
8:10
